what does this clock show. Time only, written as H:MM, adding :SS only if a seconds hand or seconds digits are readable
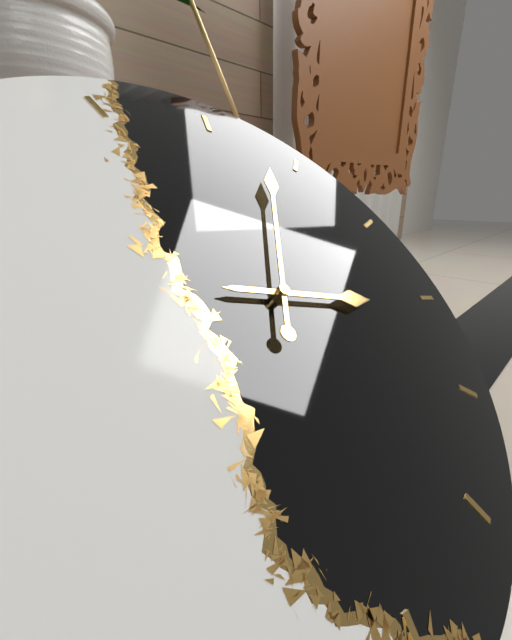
4:08
